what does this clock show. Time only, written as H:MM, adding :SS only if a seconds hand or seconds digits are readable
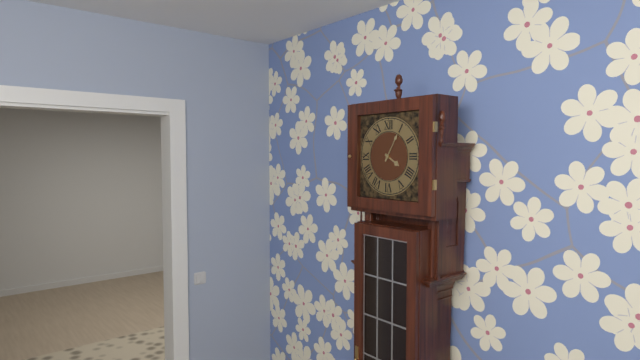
4:05
